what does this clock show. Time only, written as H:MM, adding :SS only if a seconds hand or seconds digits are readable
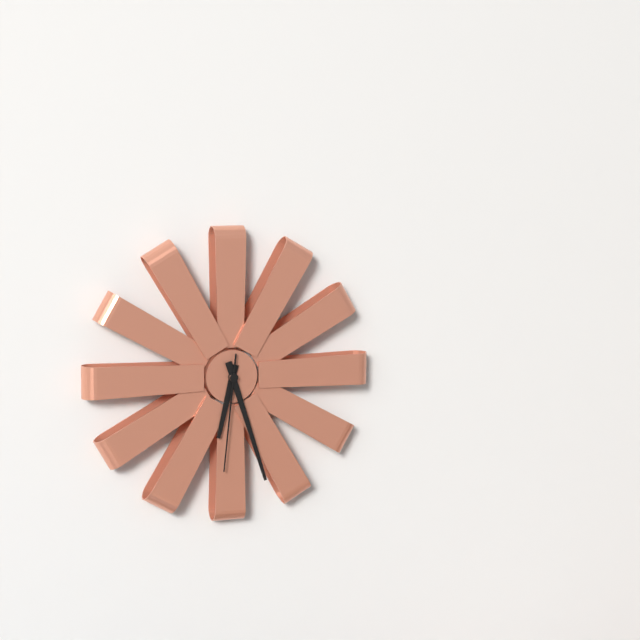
6:27:31
